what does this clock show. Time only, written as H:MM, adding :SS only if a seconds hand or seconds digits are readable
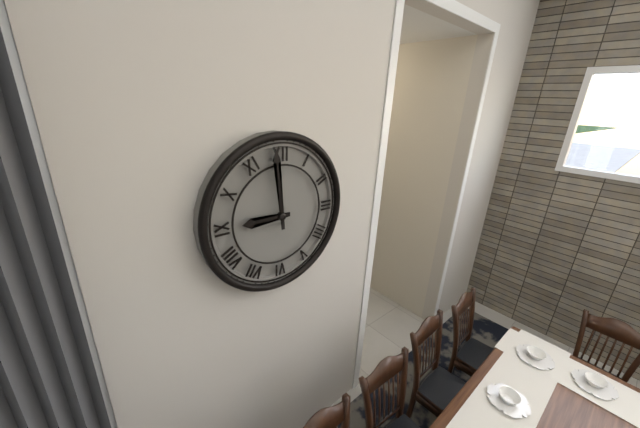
8:59
